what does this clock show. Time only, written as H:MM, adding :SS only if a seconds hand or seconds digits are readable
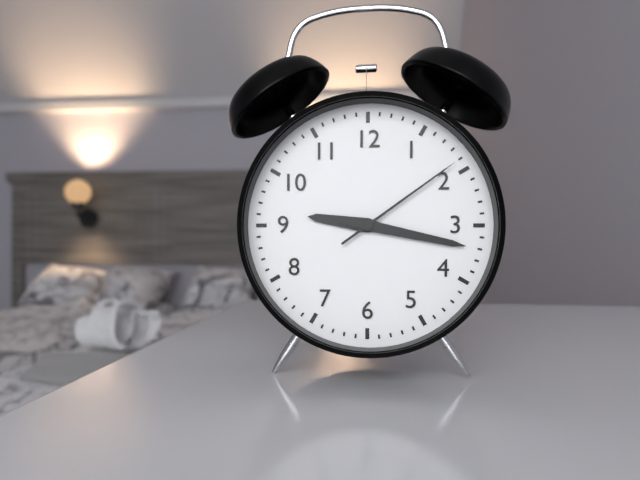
9:17:09
